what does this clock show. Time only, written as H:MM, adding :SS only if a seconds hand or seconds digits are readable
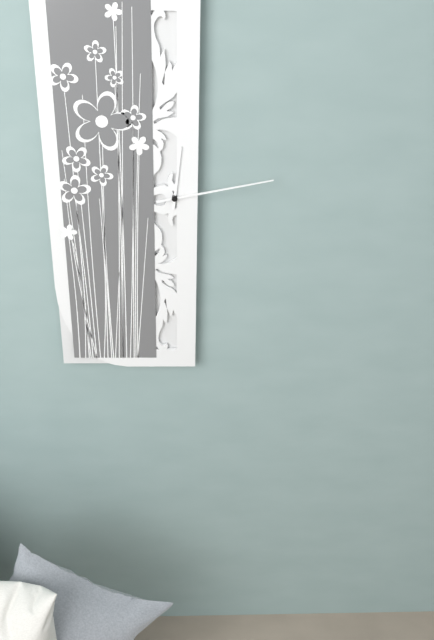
12:13
